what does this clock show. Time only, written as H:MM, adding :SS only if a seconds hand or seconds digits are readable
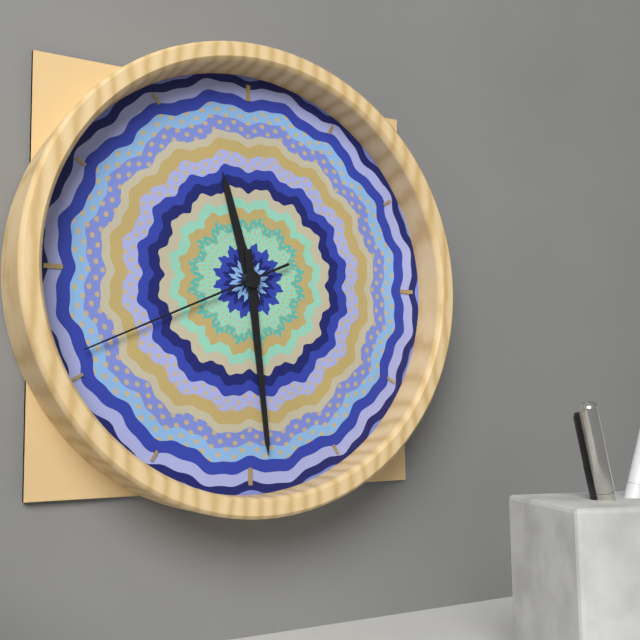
11:29:41
